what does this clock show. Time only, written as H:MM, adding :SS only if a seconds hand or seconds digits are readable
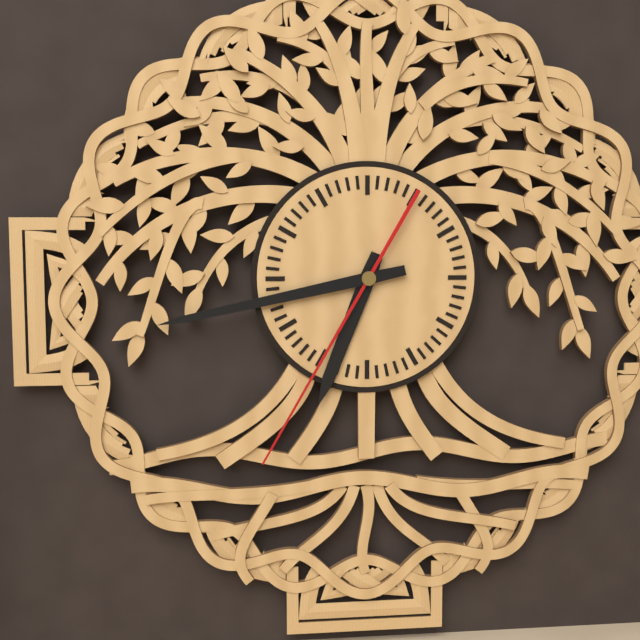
6:43:35
